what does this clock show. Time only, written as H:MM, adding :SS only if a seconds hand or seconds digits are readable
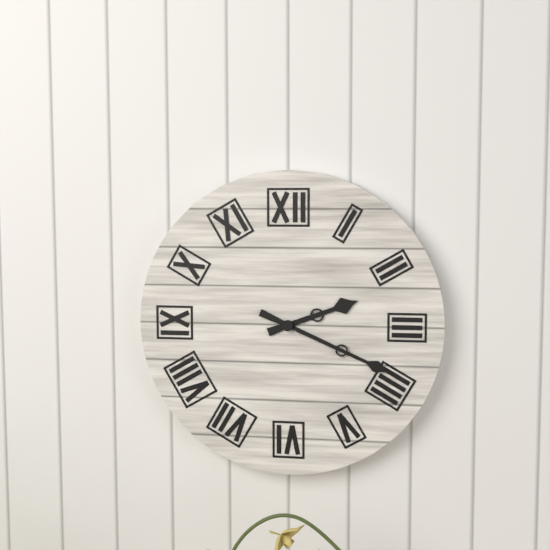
2:19
